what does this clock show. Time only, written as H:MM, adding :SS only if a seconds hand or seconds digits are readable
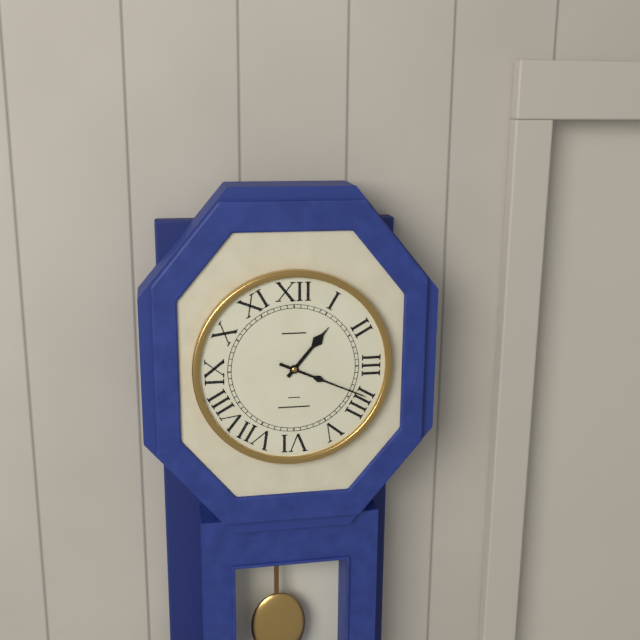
1:19
